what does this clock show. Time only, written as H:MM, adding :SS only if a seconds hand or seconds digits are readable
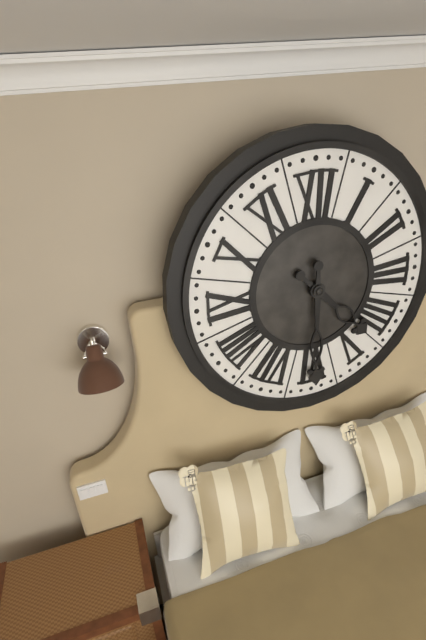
4:30
